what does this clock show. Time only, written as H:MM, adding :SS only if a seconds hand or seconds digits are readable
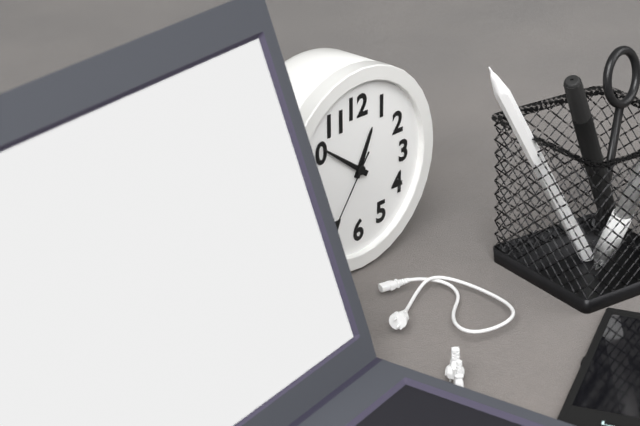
12:51:36
